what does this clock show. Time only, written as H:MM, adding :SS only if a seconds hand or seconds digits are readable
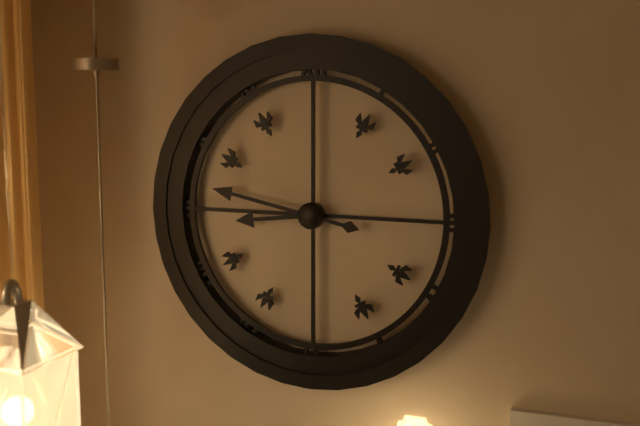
8:47
